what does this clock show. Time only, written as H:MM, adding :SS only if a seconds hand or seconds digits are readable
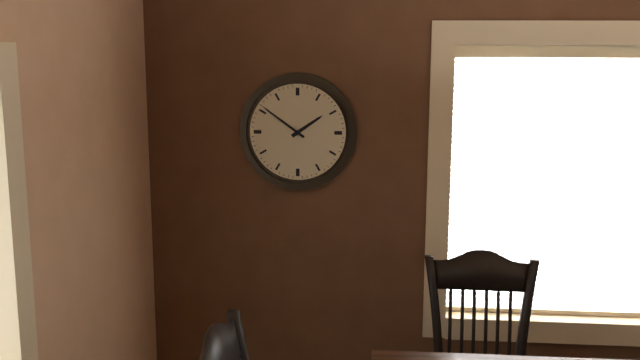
1:51
